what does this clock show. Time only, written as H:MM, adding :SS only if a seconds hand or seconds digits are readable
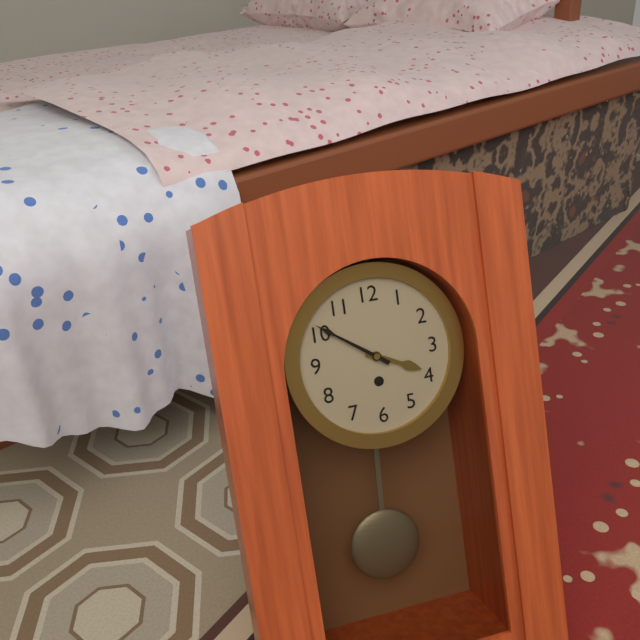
3:51
